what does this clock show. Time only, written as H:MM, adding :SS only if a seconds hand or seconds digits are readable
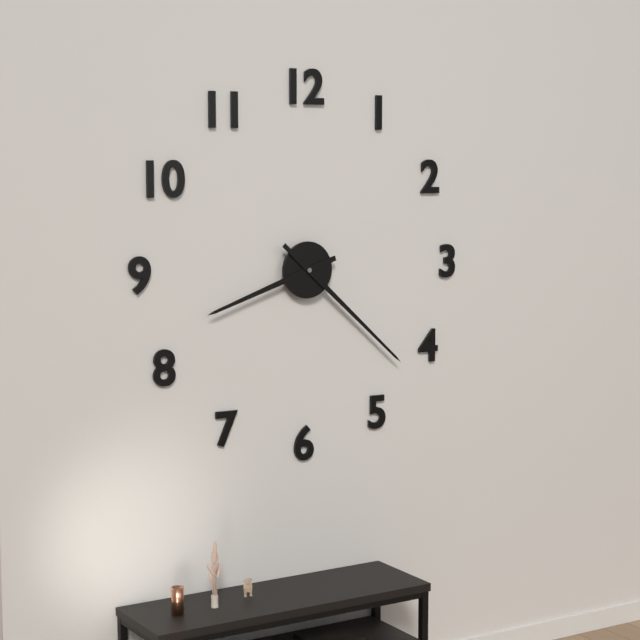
8:22
